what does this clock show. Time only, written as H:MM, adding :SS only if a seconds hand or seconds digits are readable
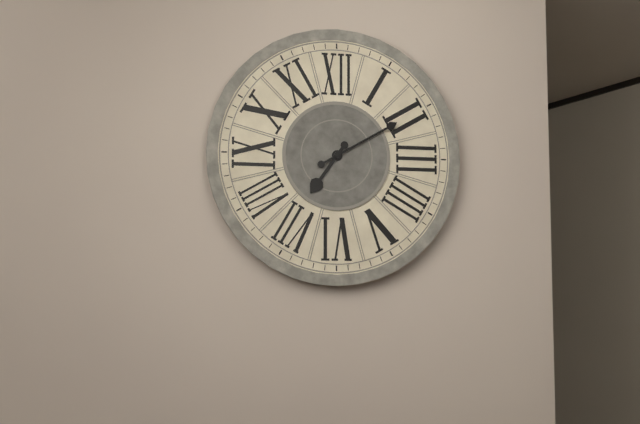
7:10
